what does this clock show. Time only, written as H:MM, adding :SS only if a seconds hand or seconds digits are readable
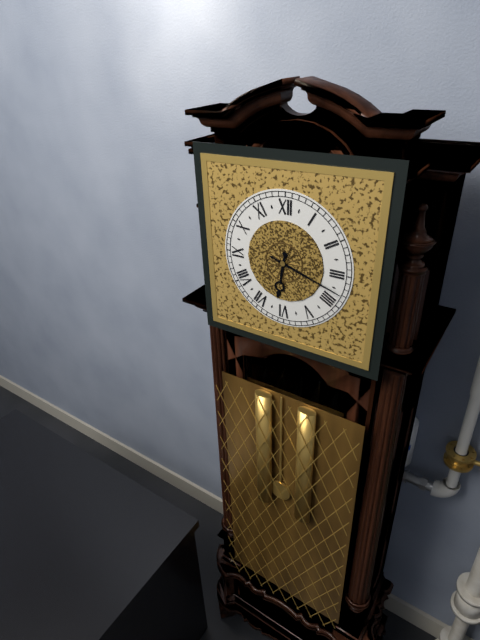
6:18
